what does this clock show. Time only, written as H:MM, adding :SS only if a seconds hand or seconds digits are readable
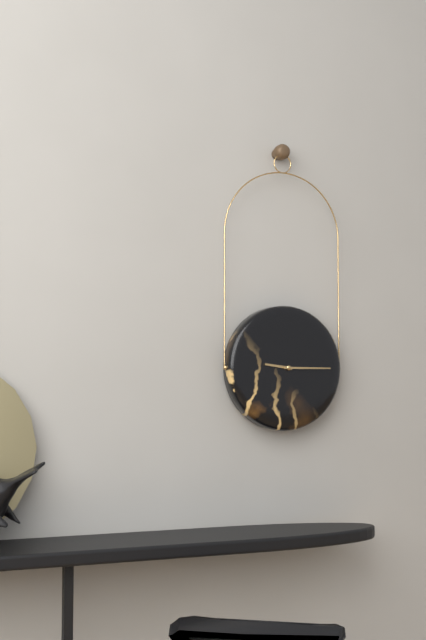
9:15
